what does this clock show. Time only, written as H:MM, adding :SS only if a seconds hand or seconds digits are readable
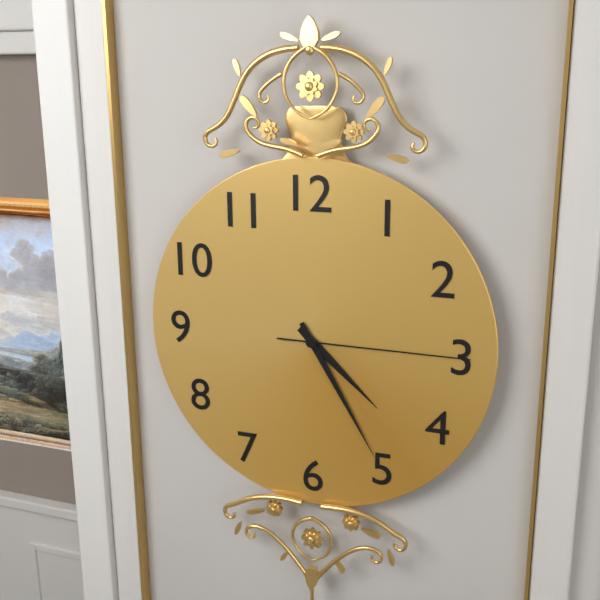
4:25:15
